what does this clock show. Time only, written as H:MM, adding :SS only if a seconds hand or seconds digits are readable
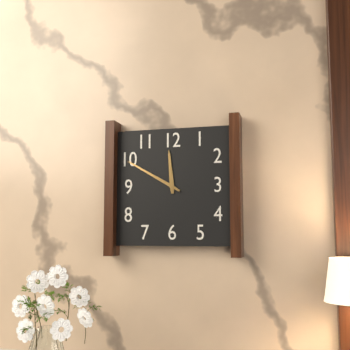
11:50
